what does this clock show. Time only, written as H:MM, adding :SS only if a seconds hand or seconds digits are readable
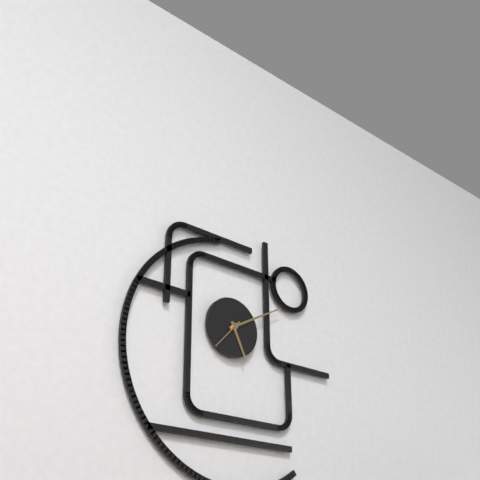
5:10
